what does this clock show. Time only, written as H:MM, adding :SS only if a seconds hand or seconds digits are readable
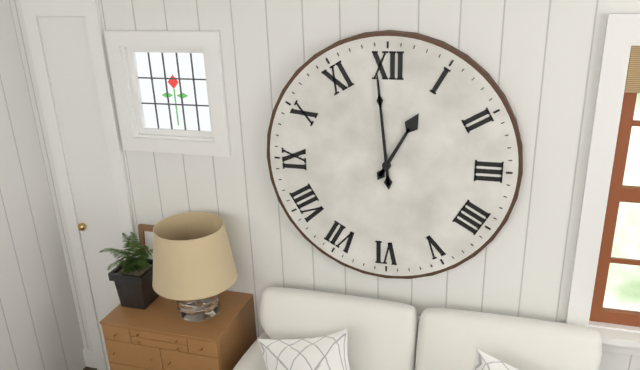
12:59
